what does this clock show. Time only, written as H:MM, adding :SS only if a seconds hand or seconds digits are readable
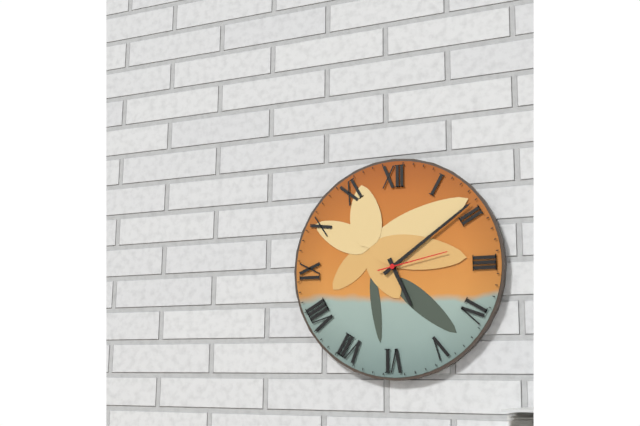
5:09:13
